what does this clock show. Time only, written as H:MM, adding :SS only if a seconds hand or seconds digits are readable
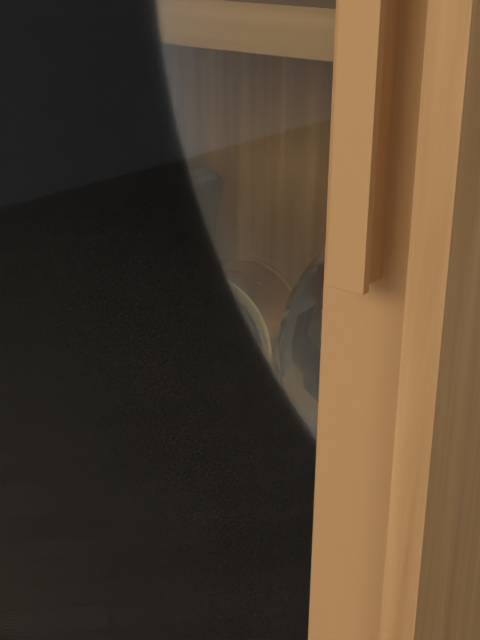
10:49
